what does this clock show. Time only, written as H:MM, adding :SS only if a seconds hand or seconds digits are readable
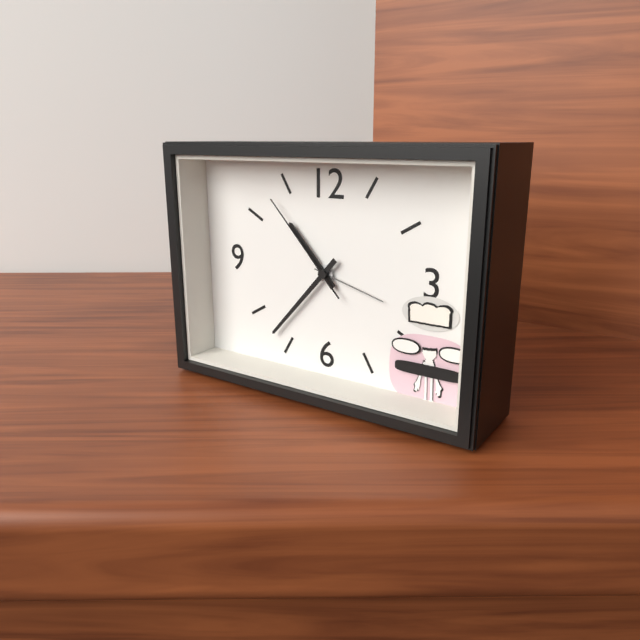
10:37:53
